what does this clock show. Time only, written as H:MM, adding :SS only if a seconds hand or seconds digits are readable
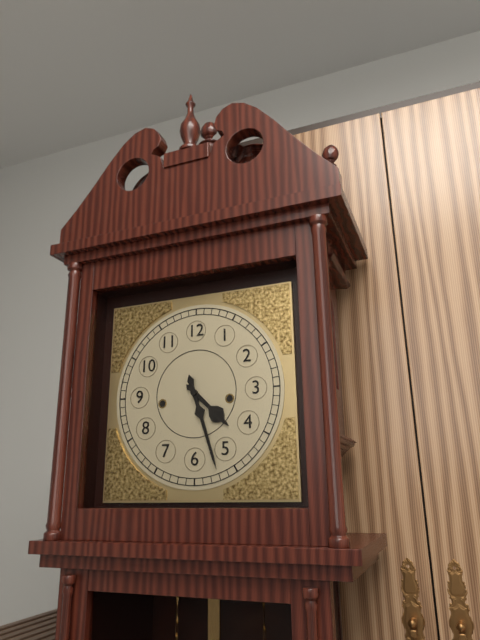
4:27
